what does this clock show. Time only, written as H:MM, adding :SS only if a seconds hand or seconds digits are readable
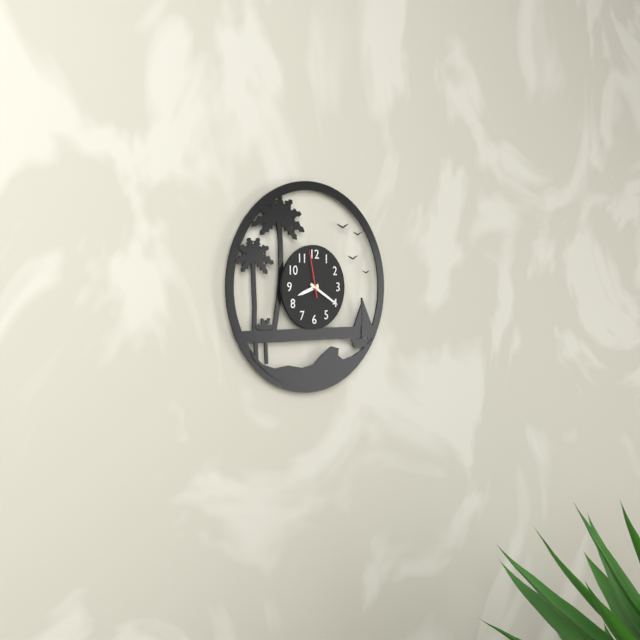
8:20
